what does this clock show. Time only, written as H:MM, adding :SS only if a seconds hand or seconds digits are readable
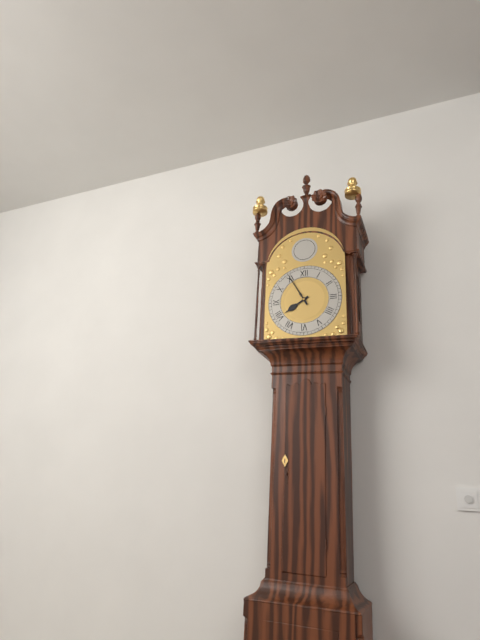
7:55
